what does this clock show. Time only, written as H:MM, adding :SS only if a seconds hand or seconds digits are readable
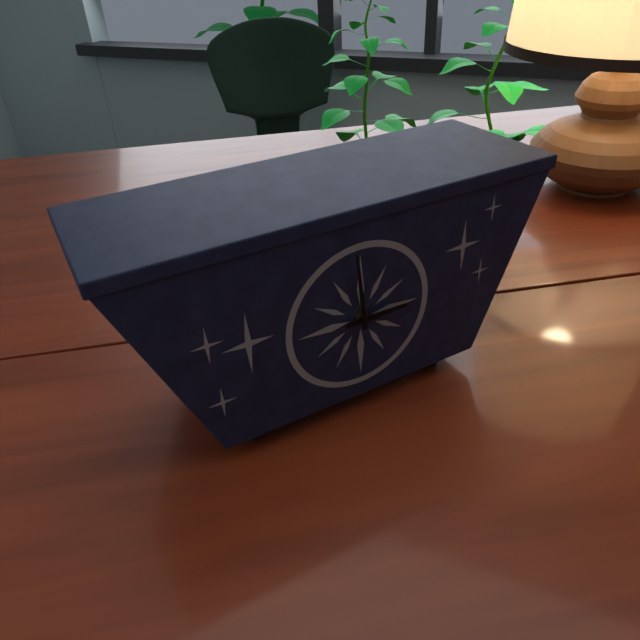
2:59
